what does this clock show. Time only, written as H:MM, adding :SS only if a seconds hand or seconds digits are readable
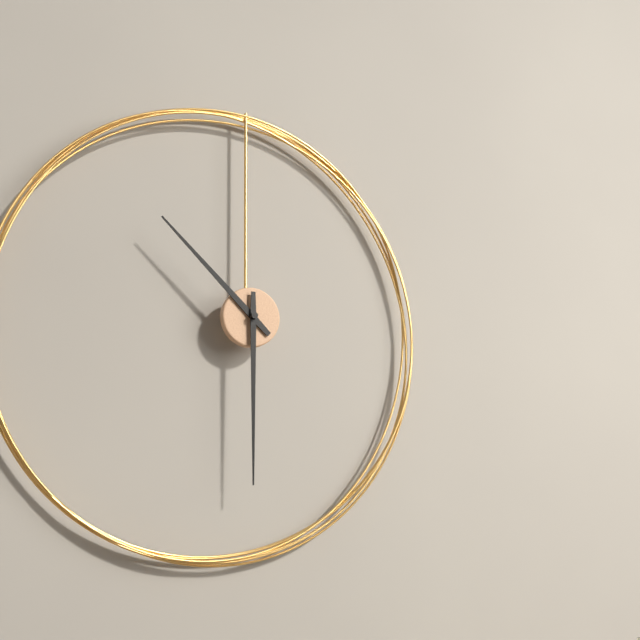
10:30
